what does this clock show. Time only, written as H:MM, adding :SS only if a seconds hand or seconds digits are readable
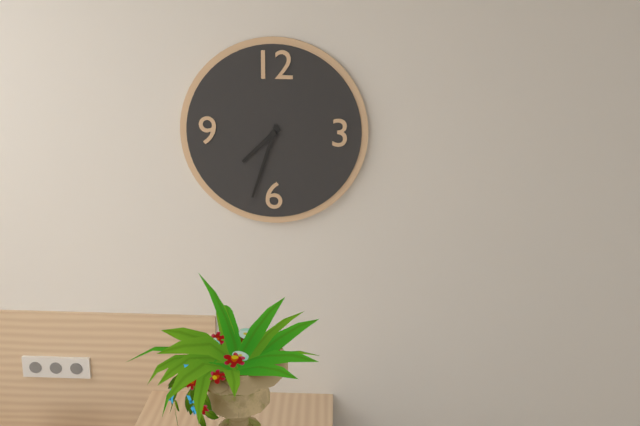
7:33
